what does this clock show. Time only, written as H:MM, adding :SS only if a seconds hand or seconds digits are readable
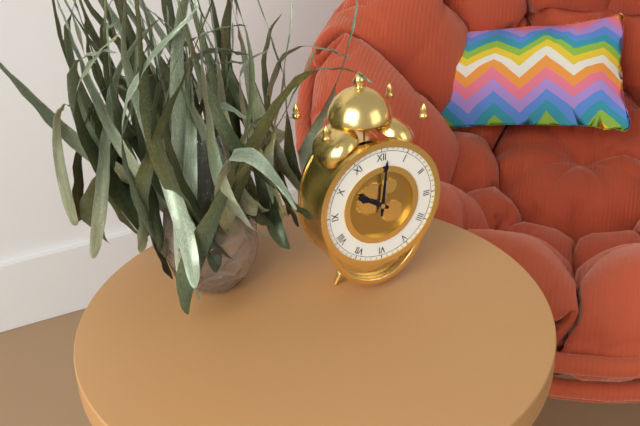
10:01
